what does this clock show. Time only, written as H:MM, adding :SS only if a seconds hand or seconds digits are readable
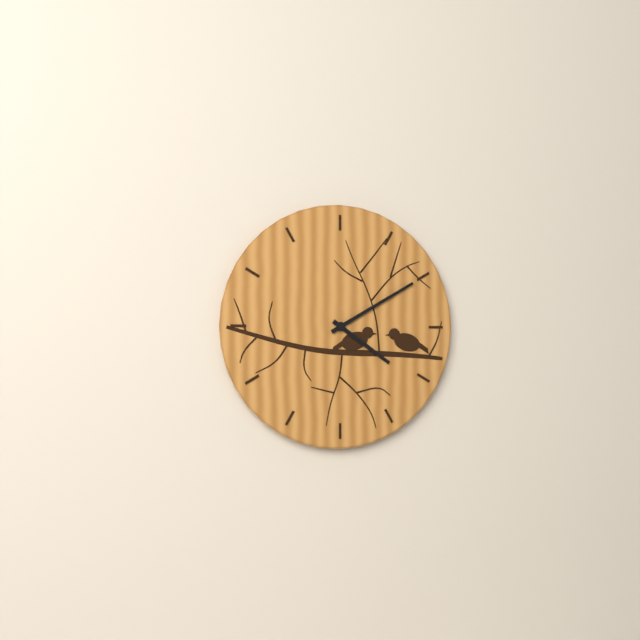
4:10
